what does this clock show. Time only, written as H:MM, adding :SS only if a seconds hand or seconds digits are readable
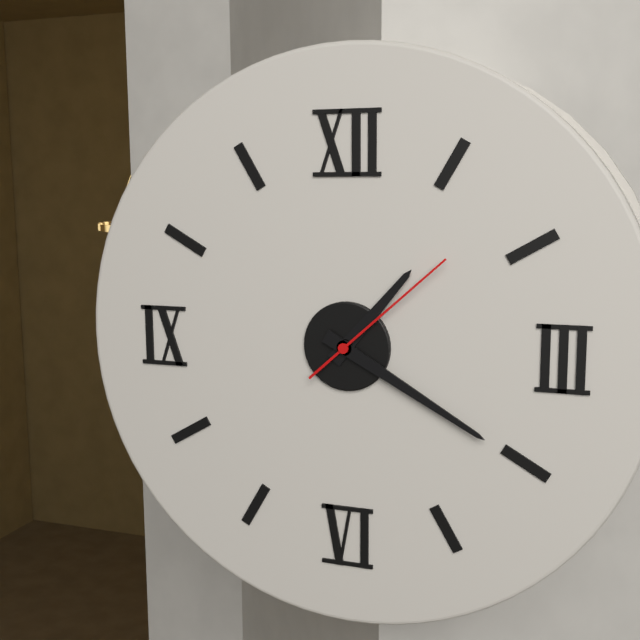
1:20:08
